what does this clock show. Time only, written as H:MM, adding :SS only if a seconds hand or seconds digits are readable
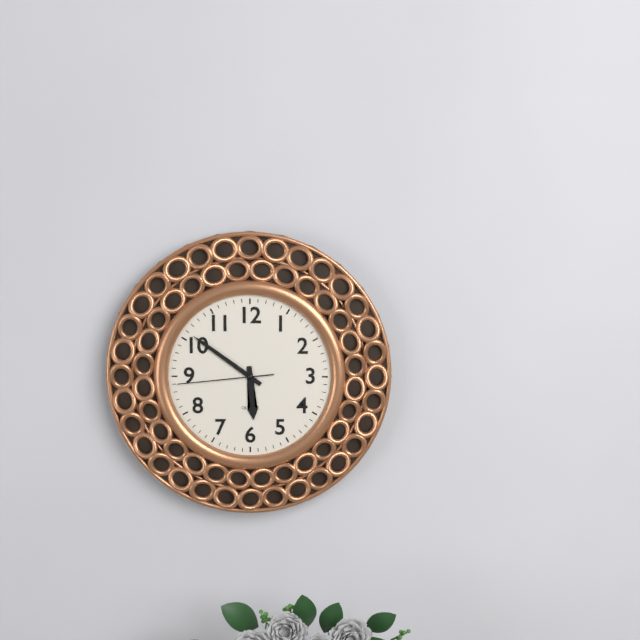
5:51:44
